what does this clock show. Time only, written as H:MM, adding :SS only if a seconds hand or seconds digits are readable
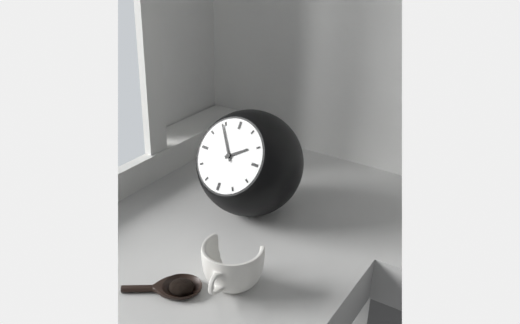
1:54
